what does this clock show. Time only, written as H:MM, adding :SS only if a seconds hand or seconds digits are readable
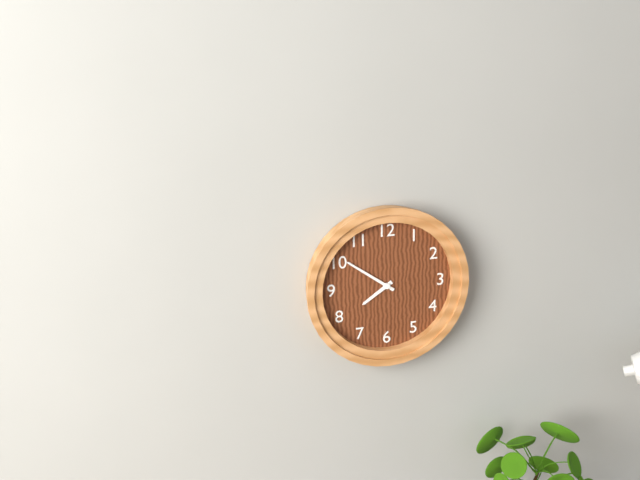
7:51
